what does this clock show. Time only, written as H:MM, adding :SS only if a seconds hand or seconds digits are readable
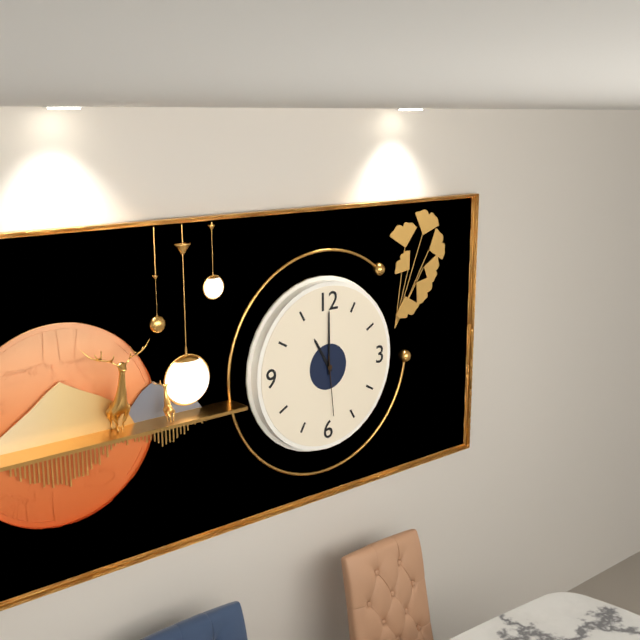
11:00:29
